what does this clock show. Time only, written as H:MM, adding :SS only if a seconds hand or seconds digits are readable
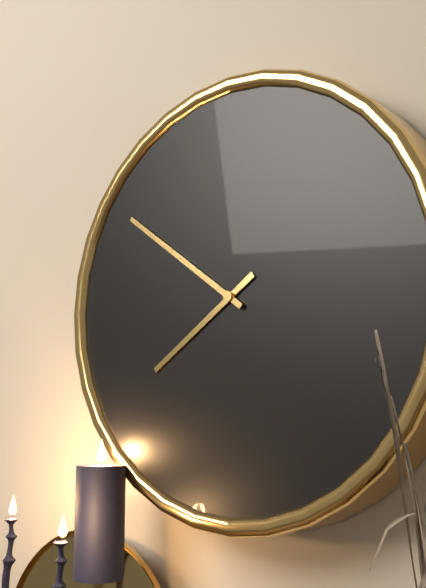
7:51
